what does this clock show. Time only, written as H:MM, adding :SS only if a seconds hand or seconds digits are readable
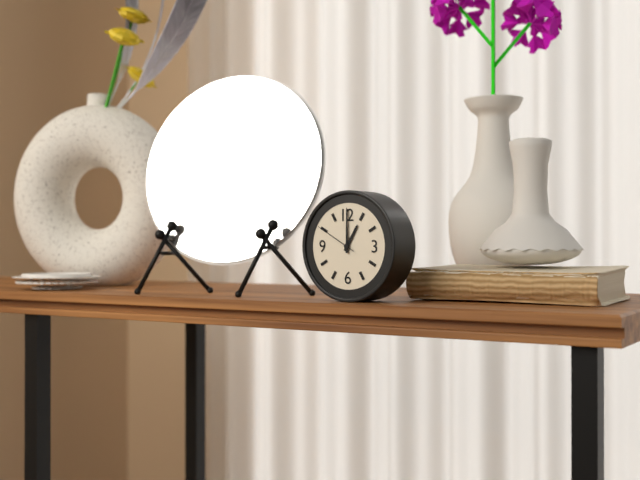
1:00
